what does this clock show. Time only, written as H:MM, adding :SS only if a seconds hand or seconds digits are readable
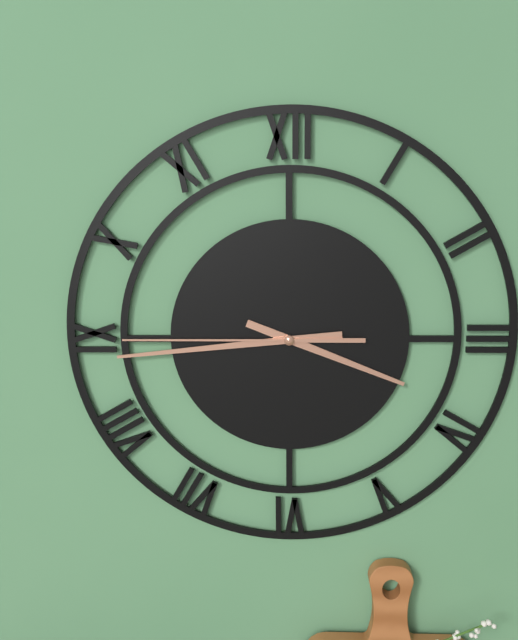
3:44:45
